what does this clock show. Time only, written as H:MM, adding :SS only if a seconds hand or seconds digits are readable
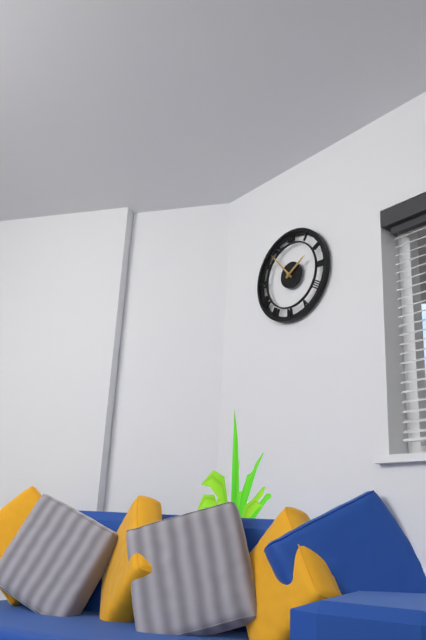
1:53
